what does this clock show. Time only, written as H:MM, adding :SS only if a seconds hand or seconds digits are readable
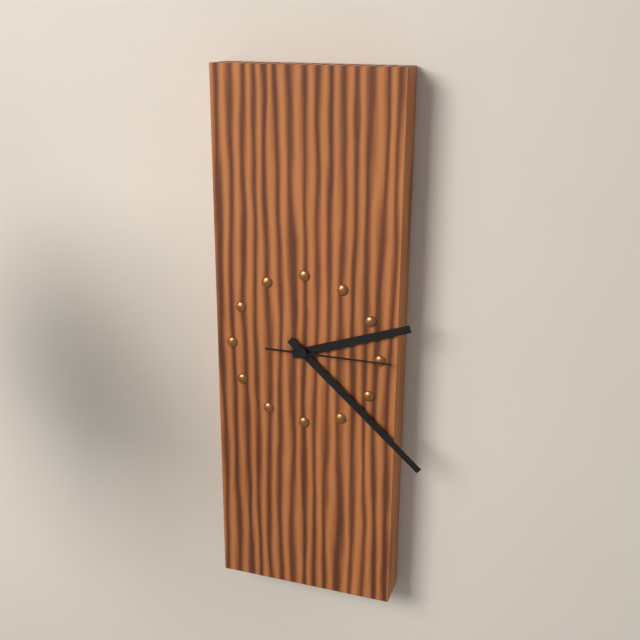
2:22:15
